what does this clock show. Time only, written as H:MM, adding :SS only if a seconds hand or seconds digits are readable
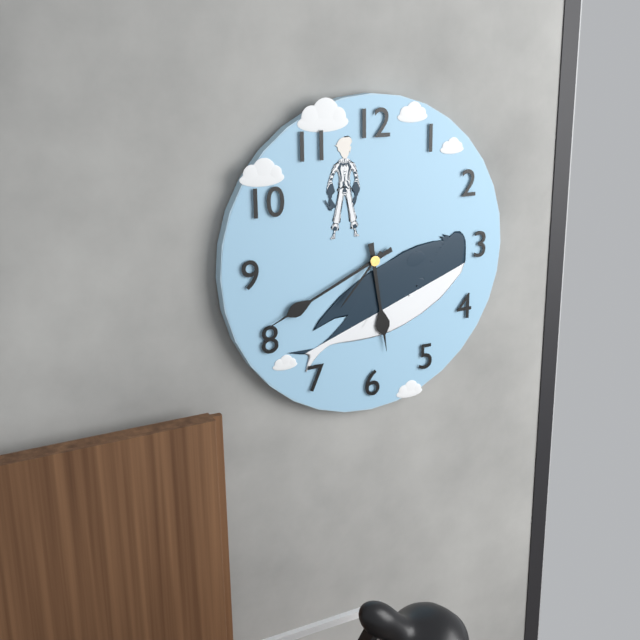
5:41:37
